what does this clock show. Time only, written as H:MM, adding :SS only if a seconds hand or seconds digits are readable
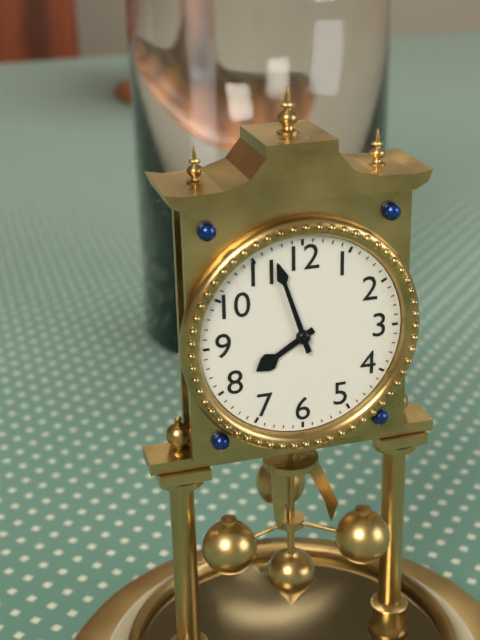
7:57
